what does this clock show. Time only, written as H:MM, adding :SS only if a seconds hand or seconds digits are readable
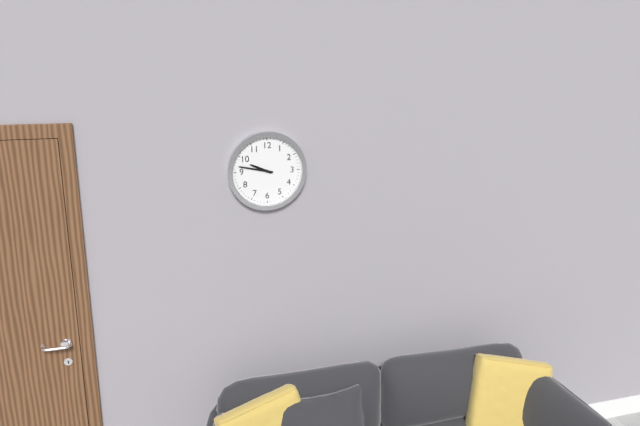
9:47
